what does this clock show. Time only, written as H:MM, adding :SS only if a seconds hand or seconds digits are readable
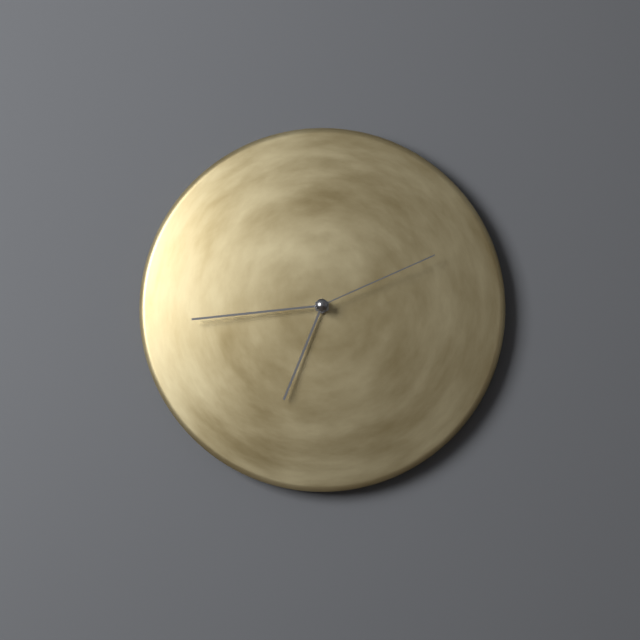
6:44:11
